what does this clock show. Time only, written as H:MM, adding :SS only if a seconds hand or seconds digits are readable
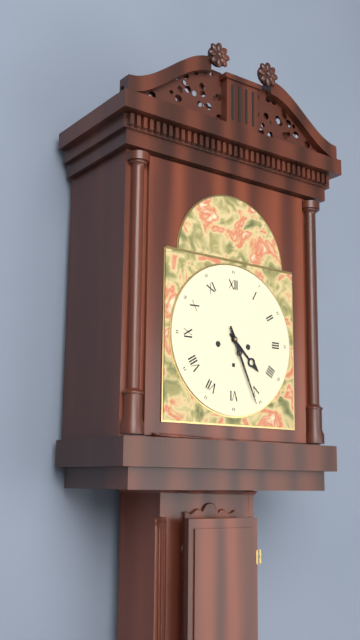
4:26
